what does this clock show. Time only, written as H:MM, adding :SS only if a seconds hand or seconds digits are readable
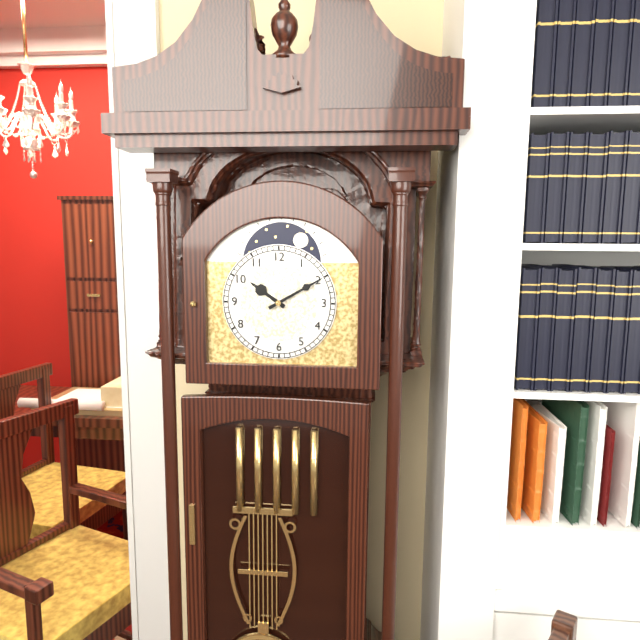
10:10
